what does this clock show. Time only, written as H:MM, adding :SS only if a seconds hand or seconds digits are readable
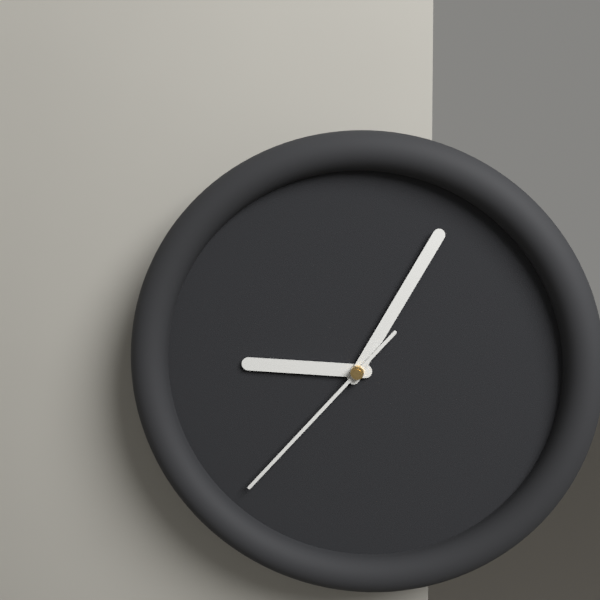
9:05:37
